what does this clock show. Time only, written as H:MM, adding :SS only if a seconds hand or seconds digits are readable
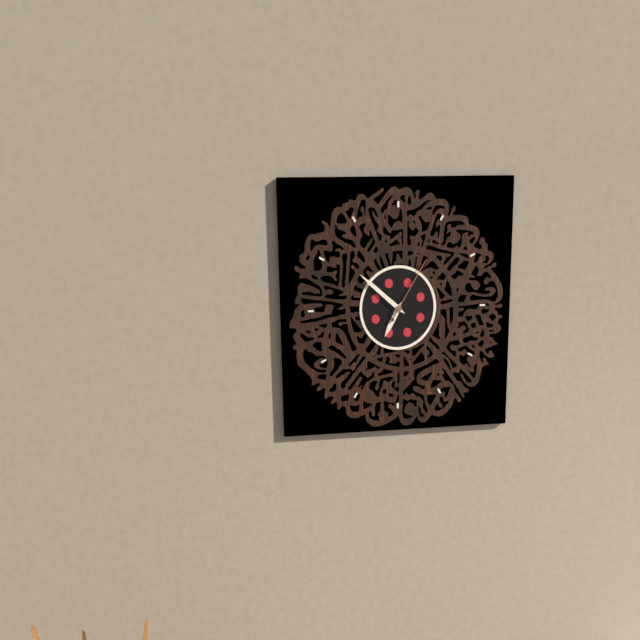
6:52:05
